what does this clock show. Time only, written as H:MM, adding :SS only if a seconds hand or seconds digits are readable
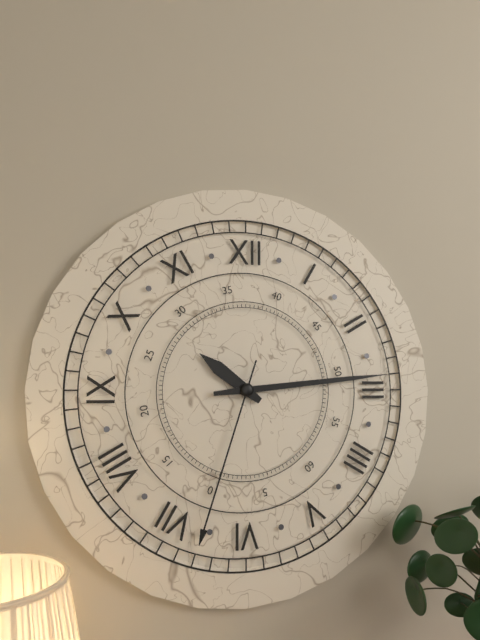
10:14:33
